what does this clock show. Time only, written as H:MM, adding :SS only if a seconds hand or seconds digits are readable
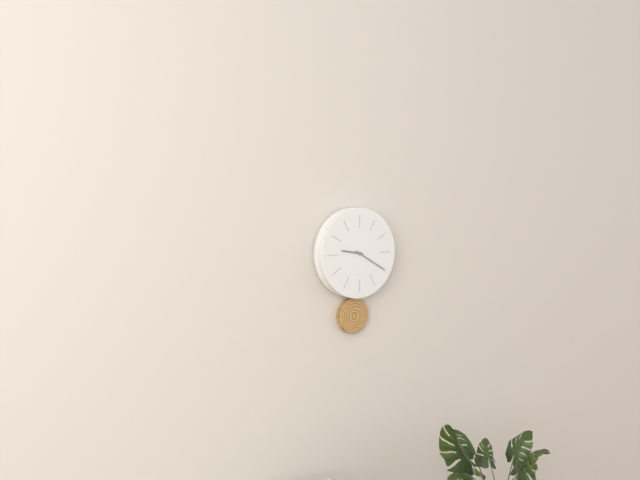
9:20
